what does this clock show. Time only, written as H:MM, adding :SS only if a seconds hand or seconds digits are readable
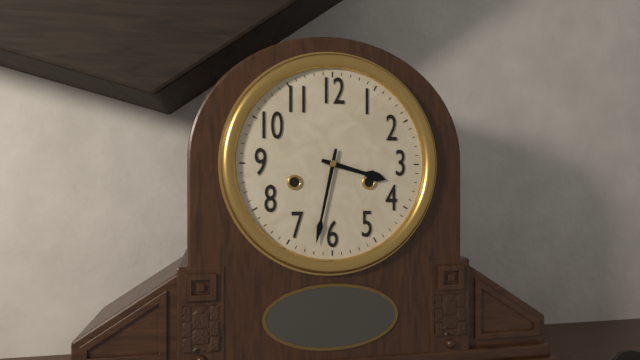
3:32
